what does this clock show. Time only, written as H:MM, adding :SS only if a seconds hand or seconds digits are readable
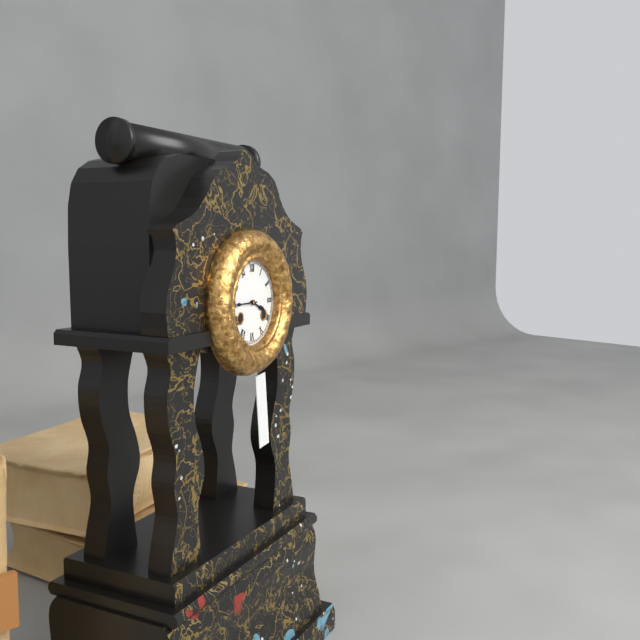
3:45
